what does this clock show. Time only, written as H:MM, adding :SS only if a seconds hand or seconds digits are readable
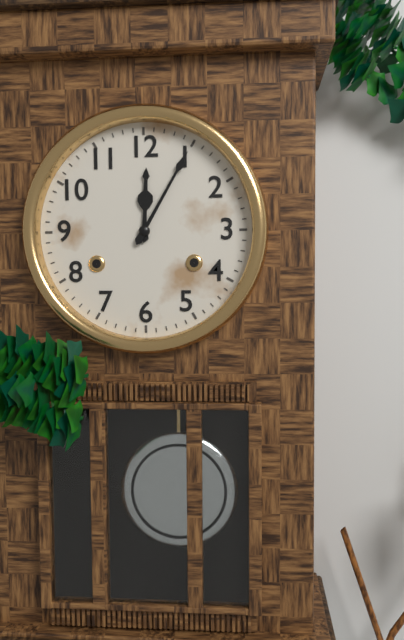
12:05
